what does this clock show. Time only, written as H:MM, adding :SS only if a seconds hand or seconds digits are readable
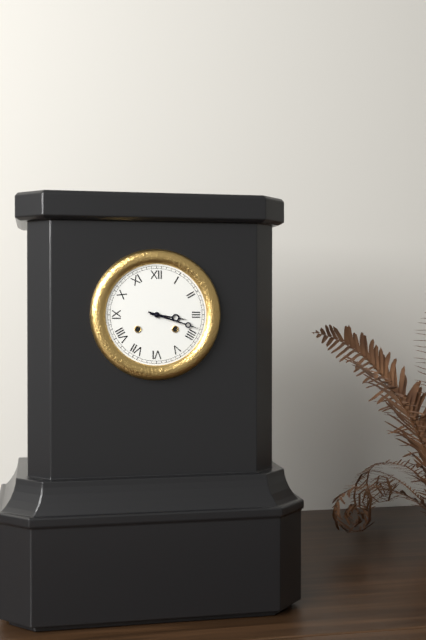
3:18
